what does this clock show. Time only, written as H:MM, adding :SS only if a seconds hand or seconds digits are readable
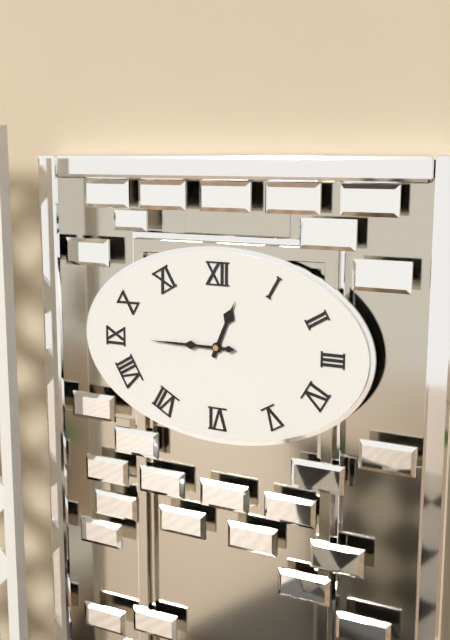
12:45
